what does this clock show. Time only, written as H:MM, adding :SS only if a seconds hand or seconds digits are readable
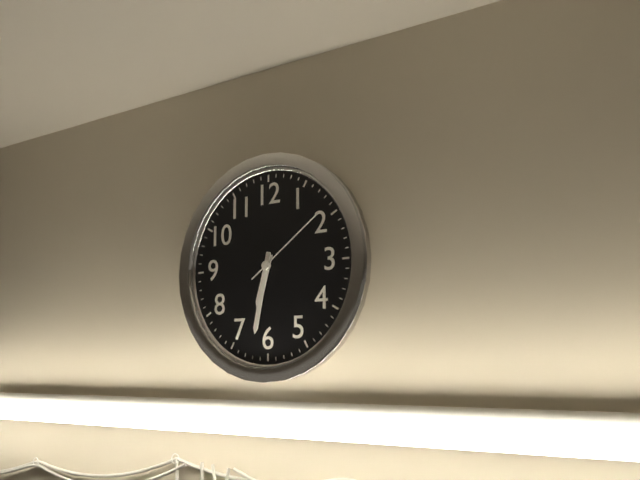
6:32:09
